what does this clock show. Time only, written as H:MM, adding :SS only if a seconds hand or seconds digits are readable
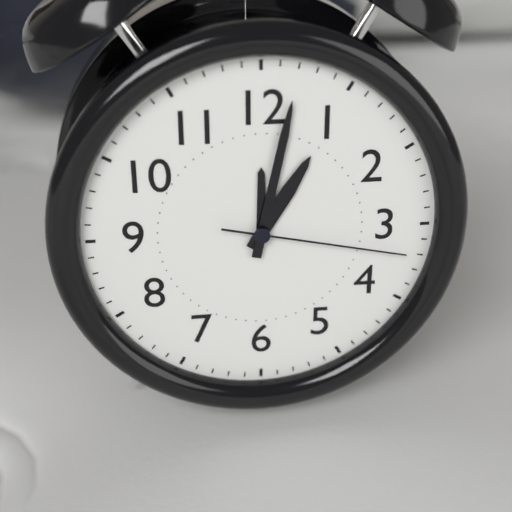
1:02:17
